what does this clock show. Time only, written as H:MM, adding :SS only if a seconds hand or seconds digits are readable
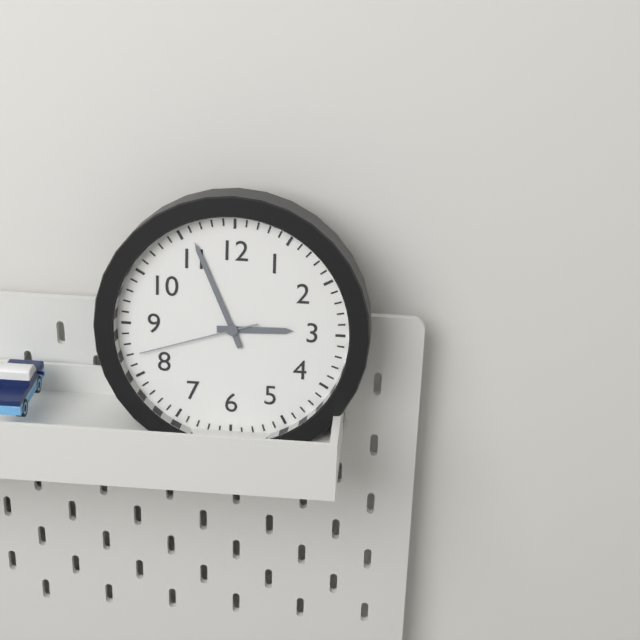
2:56:42
